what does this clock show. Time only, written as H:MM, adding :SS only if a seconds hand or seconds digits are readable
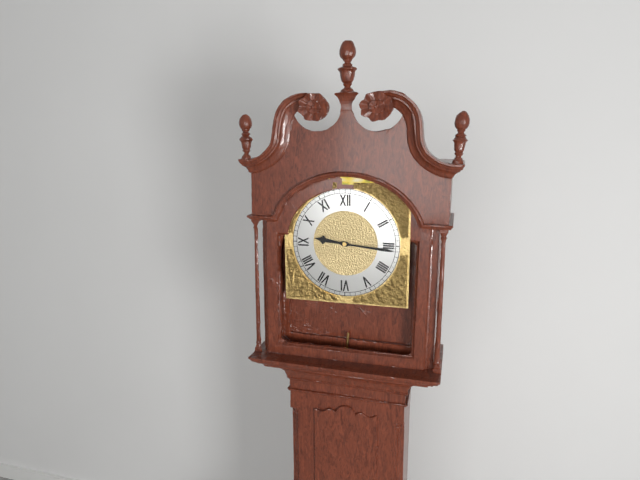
9:16
